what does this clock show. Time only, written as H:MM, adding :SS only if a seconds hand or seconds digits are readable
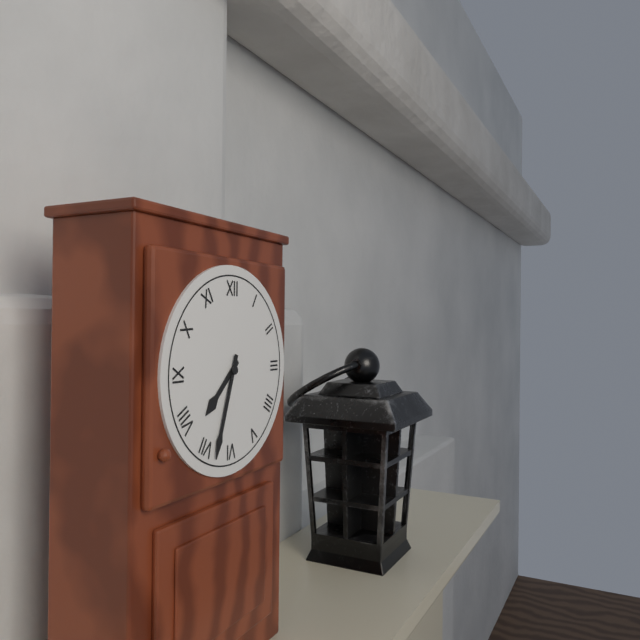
7:33
